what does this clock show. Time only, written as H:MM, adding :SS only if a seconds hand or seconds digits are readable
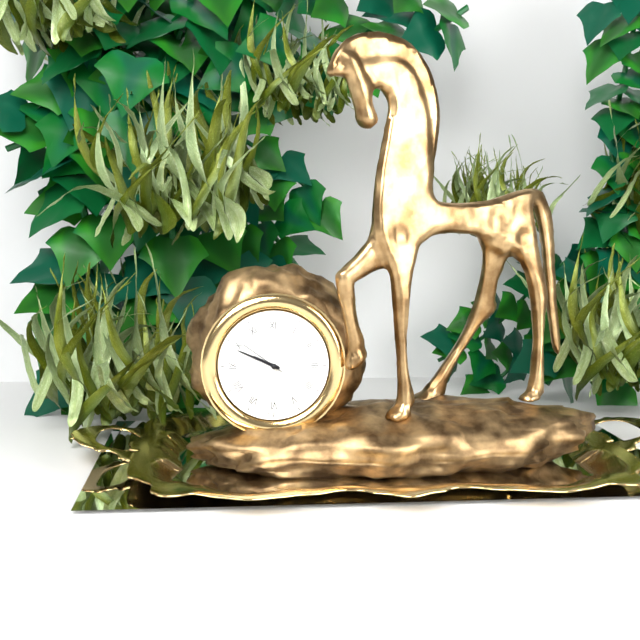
9:49:51
